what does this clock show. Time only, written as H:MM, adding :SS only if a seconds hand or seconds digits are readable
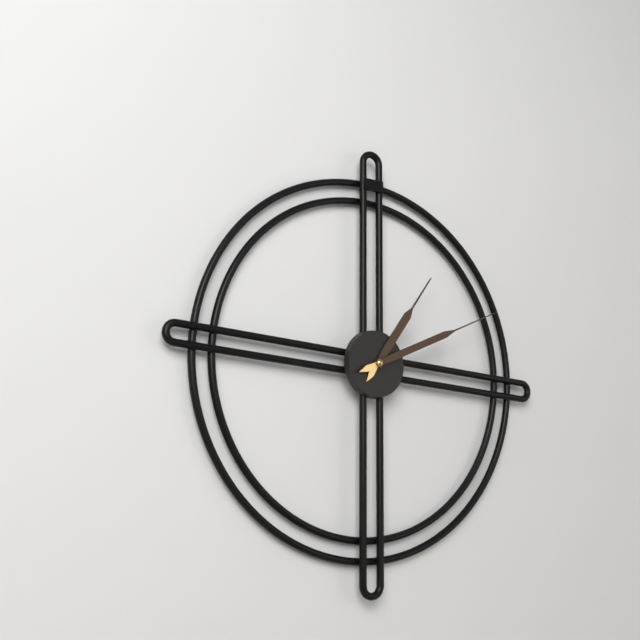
1:11
